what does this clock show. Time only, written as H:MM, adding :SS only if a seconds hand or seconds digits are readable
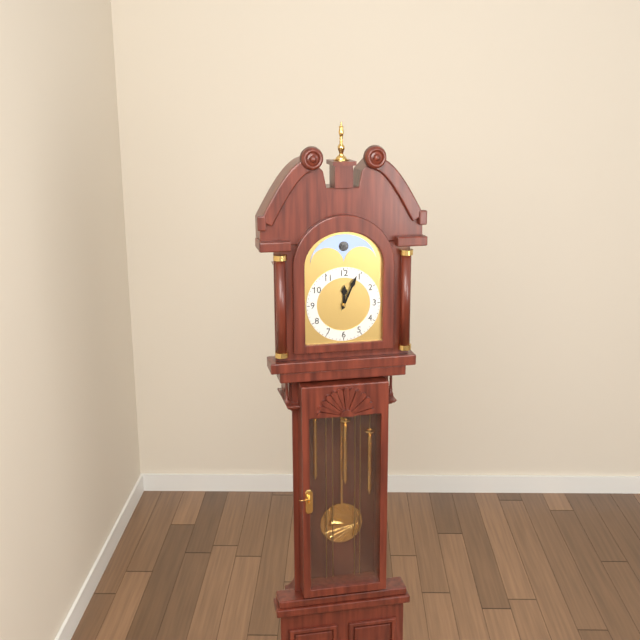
12:04
